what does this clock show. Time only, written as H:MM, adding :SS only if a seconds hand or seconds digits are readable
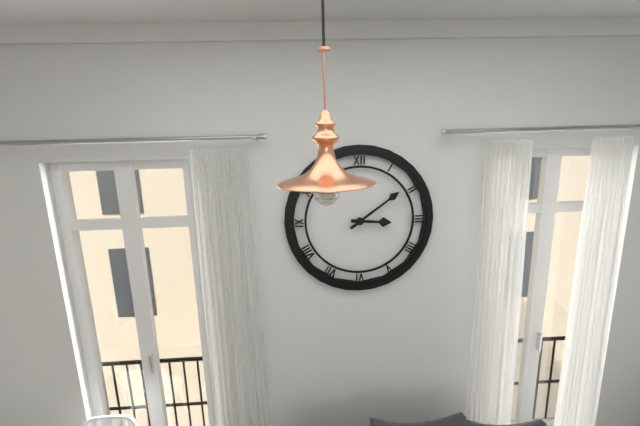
3:09
